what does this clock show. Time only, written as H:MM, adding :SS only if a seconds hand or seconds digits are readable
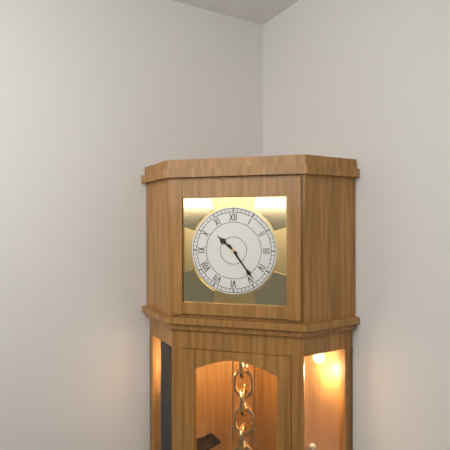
10:24
